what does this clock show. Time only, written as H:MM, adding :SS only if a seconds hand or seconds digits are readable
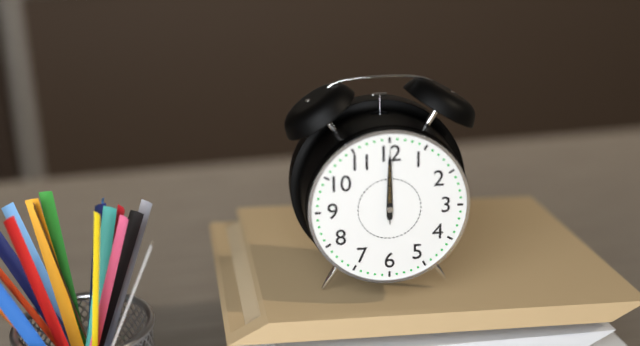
12:00:00
